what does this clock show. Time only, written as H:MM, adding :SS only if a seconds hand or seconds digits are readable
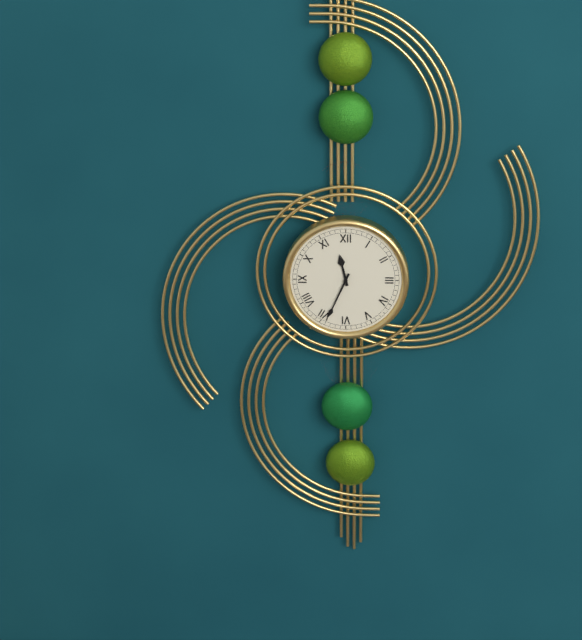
11:34
